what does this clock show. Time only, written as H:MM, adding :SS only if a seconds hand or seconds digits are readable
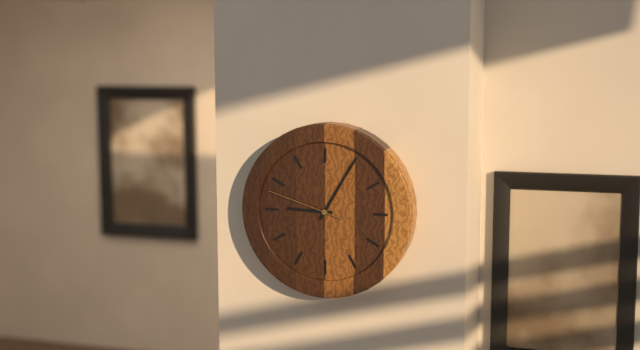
9:05:48
